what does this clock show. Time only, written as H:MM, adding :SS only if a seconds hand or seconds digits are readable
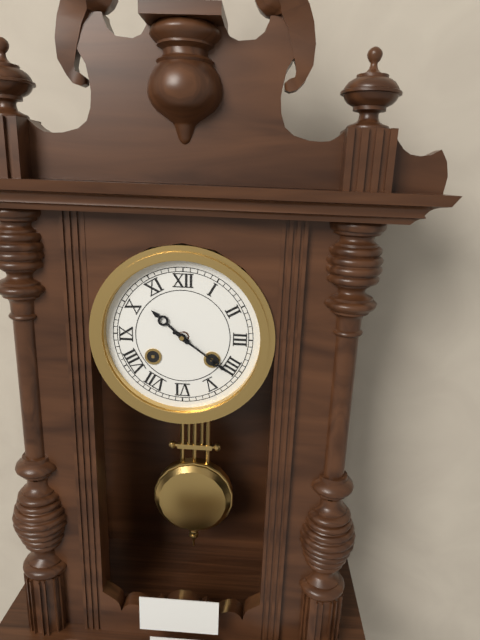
10:21
